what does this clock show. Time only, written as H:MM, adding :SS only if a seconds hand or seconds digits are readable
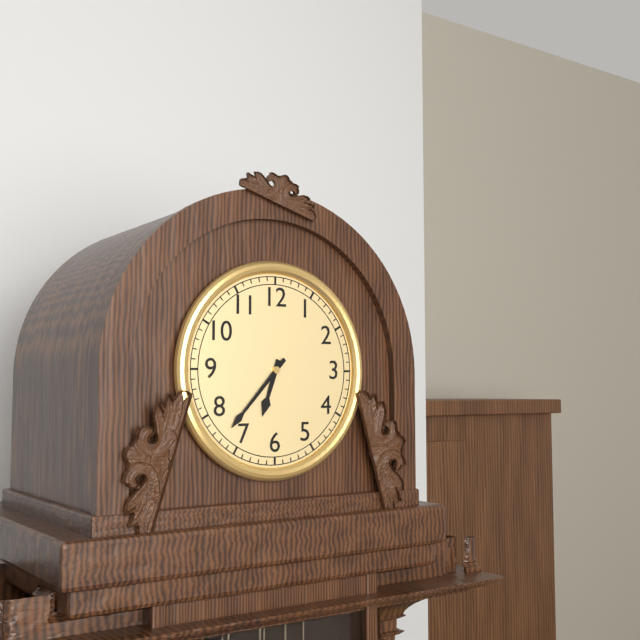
6:37
